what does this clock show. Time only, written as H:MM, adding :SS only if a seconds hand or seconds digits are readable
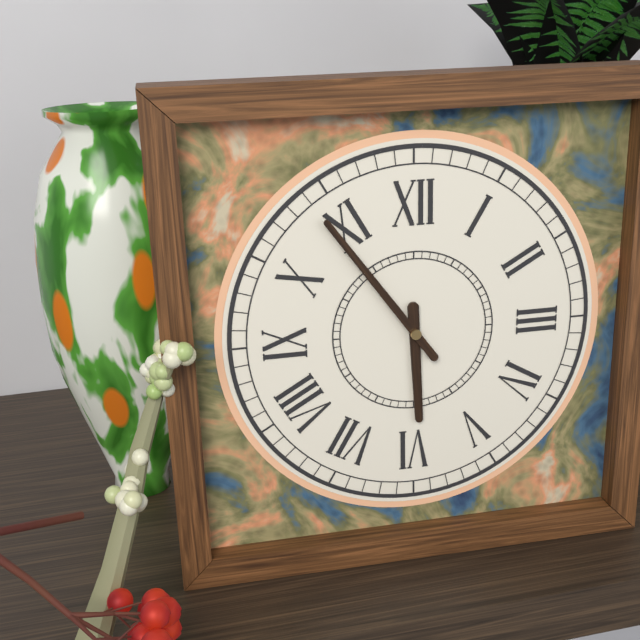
5:54
